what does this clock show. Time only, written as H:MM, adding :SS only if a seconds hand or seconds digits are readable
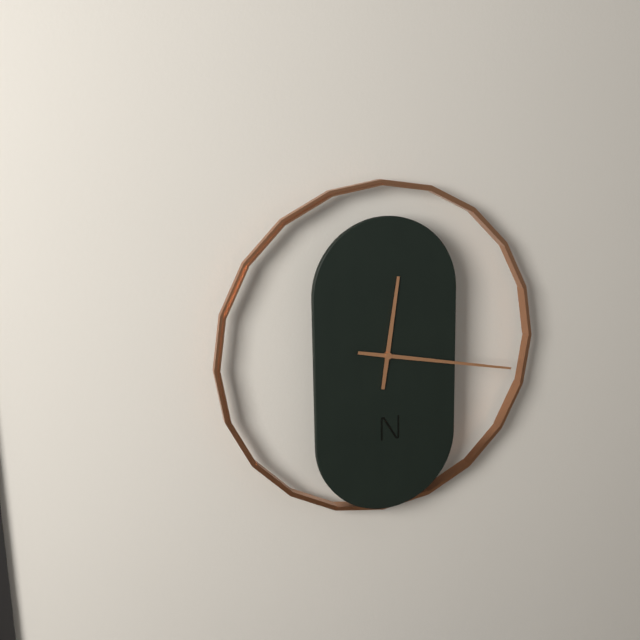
12:17
